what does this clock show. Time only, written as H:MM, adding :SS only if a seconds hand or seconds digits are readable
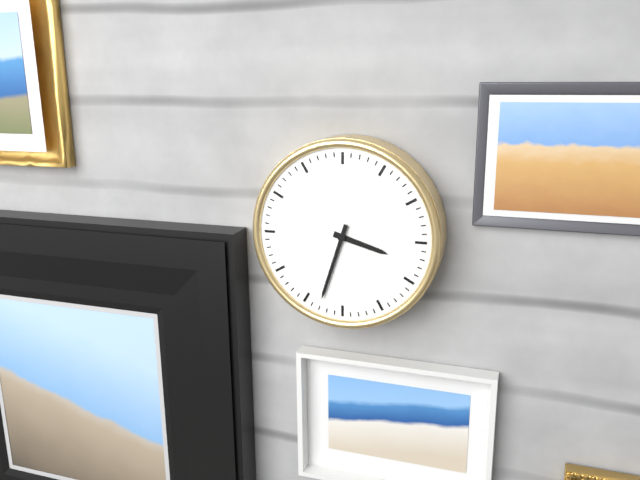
3:33
